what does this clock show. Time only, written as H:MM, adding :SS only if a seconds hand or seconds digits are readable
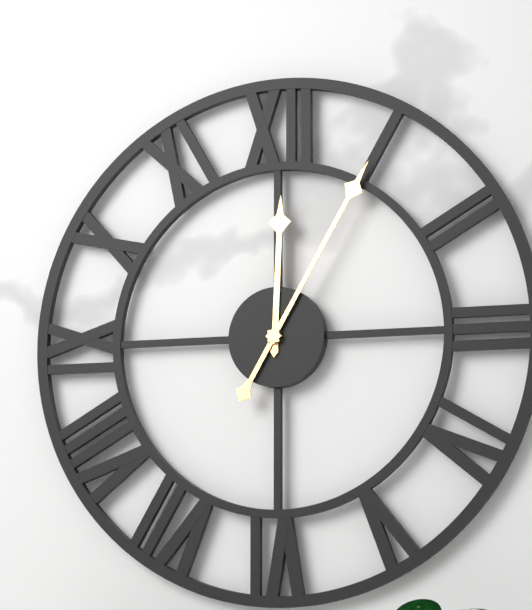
12:05
